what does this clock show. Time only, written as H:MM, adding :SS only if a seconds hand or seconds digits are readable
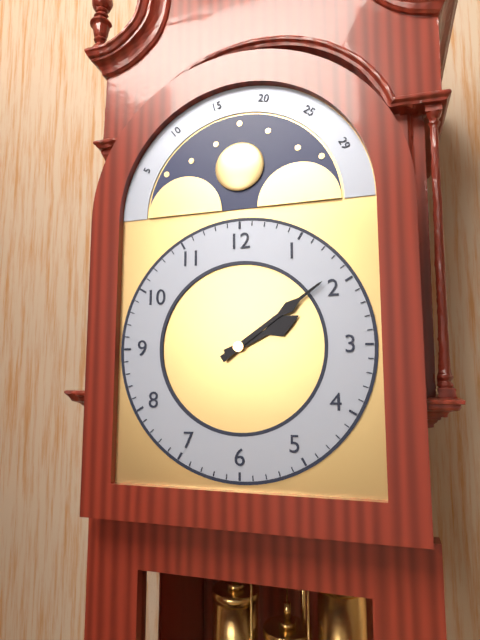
2:09
